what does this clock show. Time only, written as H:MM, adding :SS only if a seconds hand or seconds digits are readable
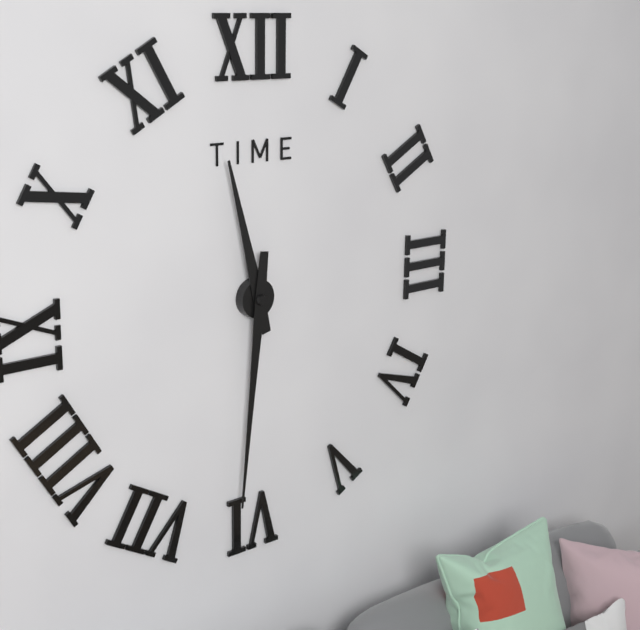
11:31
